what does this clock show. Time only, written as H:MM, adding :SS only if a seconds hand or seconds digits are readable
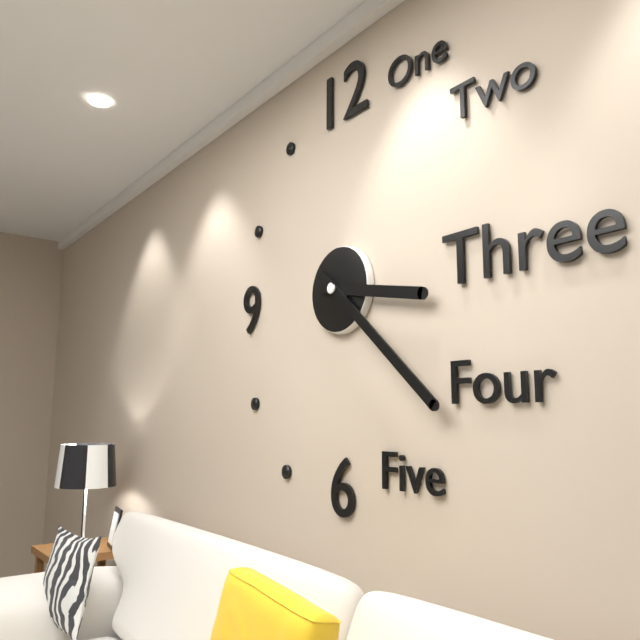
3:22
